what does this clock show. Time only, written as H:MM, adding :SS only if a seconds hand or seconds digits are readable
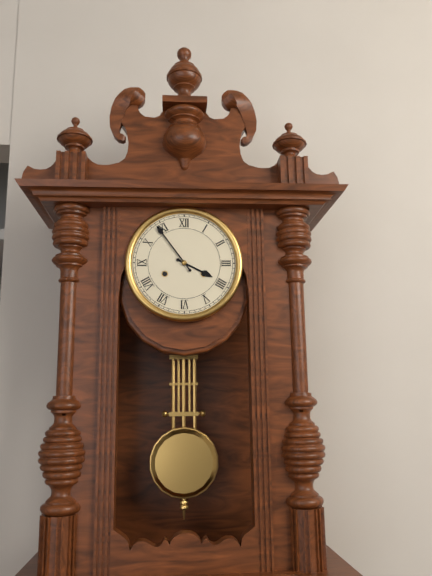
3:54
